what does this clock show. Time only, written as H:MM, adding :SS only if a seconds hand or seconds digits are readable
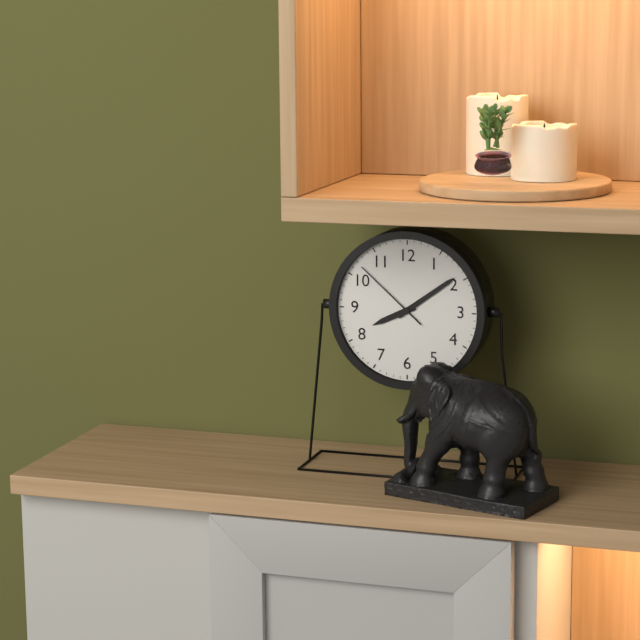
8:09:52
